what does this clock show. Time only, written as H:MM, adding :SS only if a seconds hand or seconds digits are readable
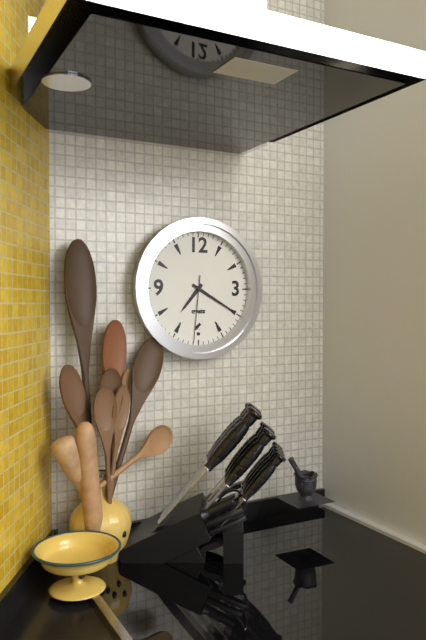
7:20:31
